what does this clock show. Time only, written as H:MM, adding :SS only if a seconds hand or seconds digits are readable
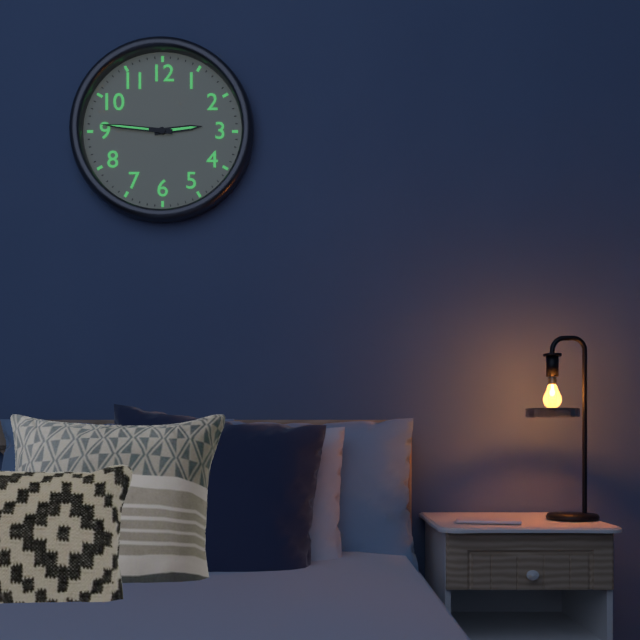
2:46
